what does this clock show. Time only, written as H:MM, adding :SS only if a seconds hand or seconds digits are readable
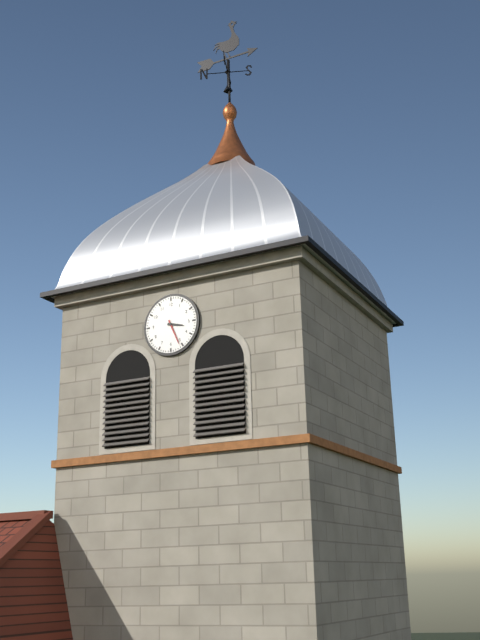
3:26
